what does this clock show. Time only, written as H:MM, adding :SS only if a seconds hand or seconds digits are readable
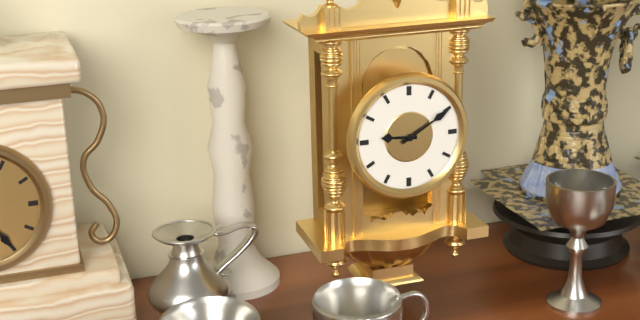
9:10
